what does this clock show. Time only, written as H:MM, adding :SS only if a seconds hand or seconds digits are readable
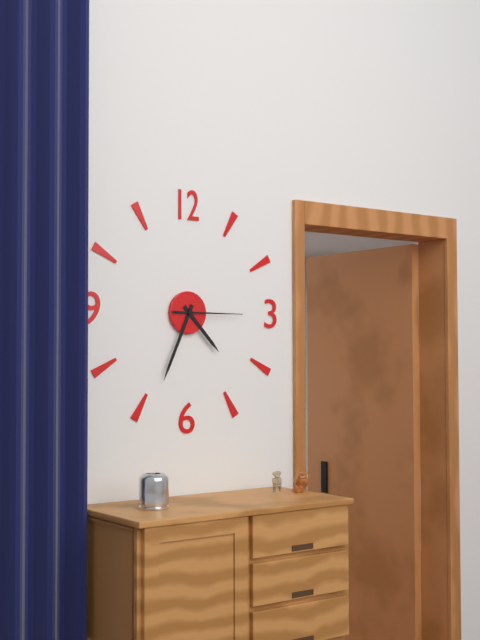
4:34:15
